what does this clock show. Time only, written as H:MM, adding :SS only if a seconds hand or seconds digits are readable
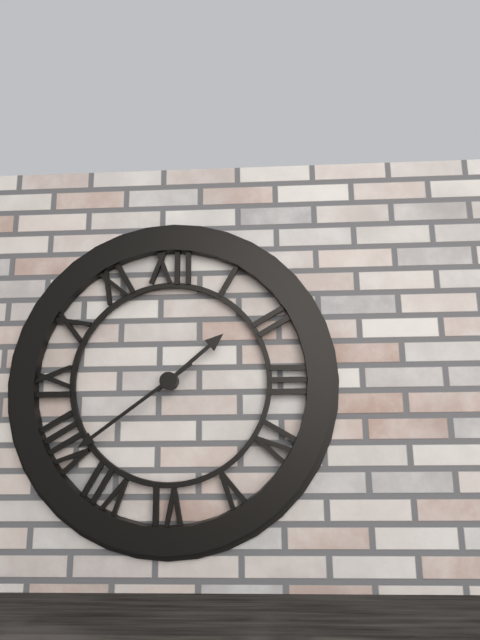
1:39
